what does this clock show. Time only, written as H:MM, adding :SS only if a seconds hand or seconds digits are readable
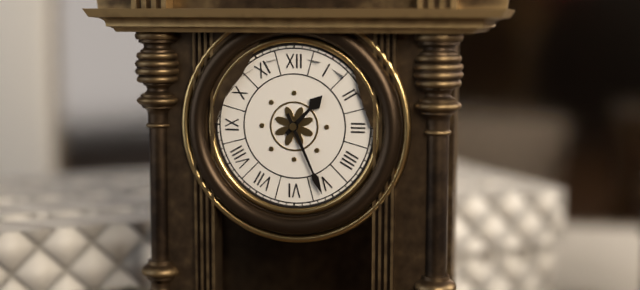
1:26
